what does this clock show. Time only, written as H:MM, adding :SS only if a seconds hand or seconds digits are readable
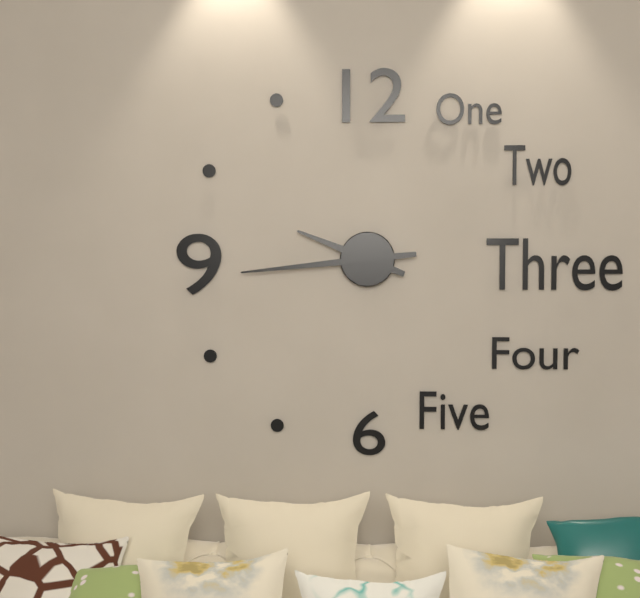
9:44
